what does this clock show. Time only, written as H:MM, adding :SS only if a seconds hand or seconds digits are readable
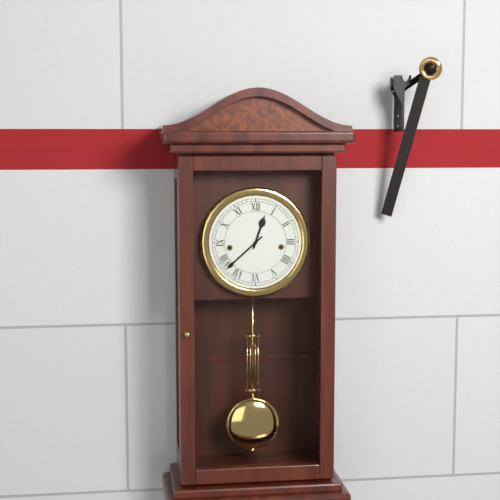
12:38
